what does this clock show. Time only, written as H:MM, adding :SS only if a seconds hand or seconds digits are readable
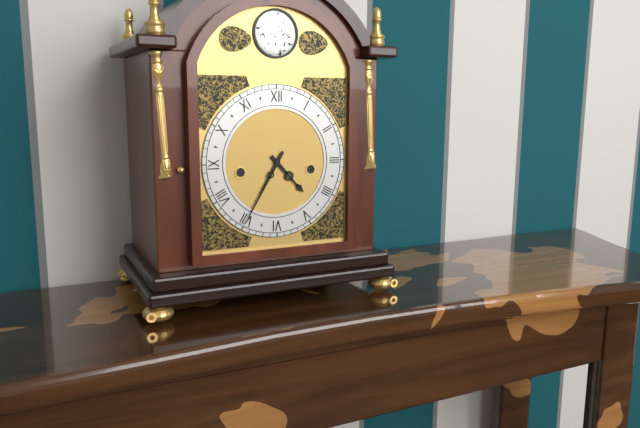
4:35
